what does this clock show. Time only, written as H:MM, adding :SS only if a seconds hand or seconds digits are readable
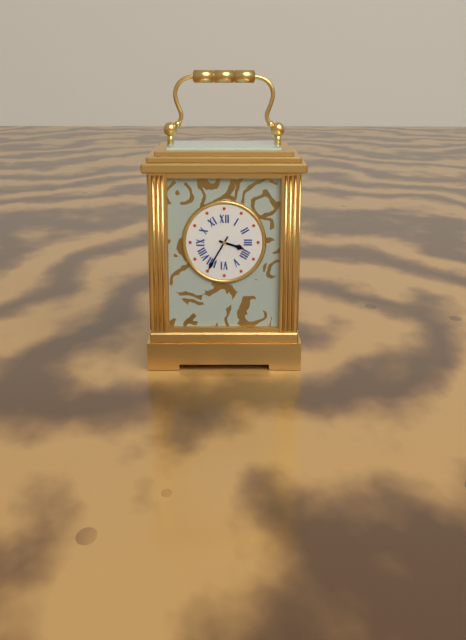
3:35
